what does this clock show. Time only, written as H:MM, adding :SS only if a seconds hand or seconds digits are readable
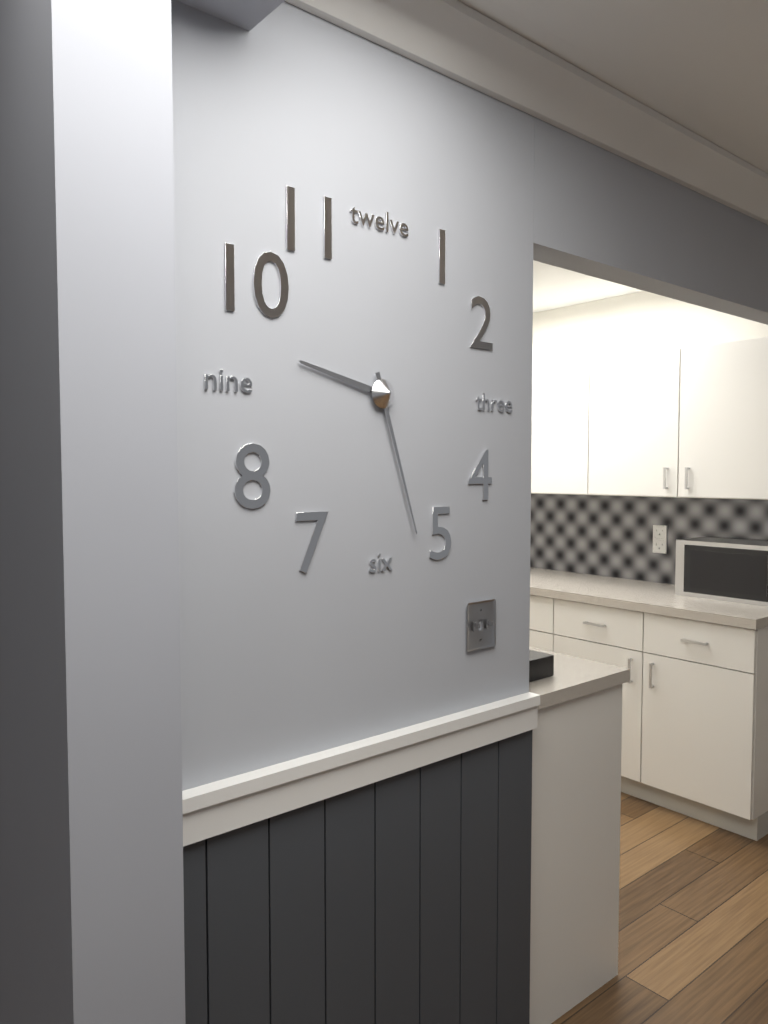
9:27
